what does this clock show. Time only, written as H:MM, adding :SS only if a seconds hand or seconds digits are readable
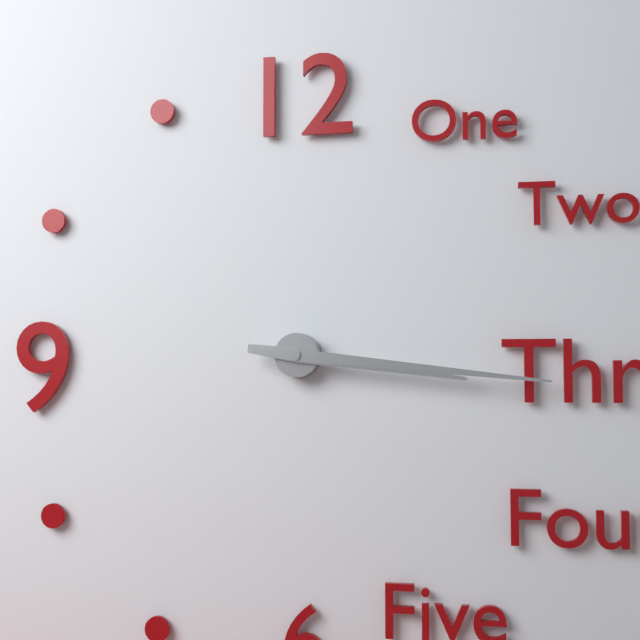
3:16
